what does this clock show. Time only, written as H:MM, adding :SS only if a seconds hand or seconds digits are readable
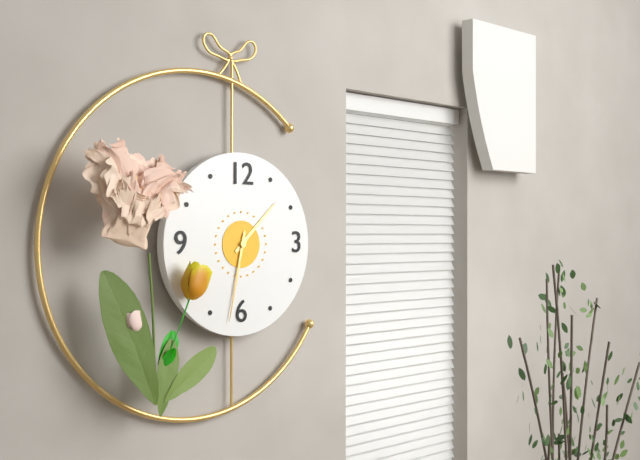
1:32
